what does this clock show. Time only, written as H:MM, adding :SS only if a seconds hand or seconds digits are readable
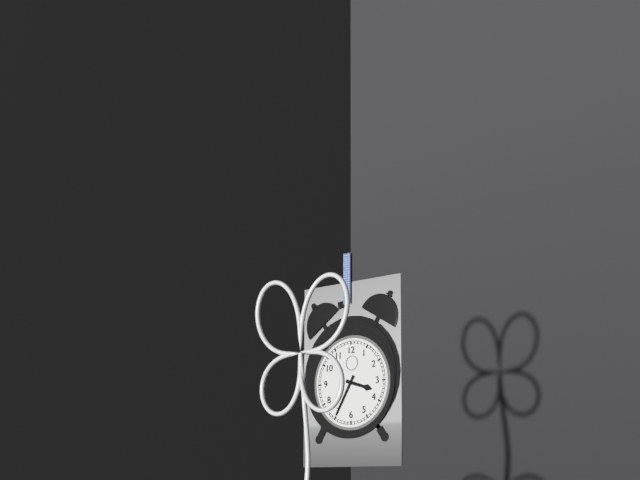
3:35
